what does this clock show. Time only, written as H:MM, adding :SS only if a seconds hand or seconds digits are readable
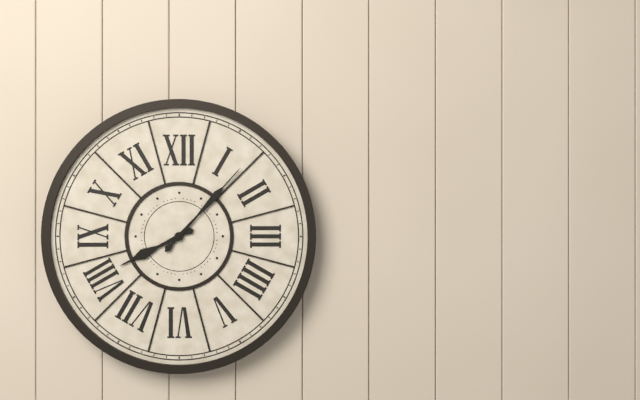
8:07
